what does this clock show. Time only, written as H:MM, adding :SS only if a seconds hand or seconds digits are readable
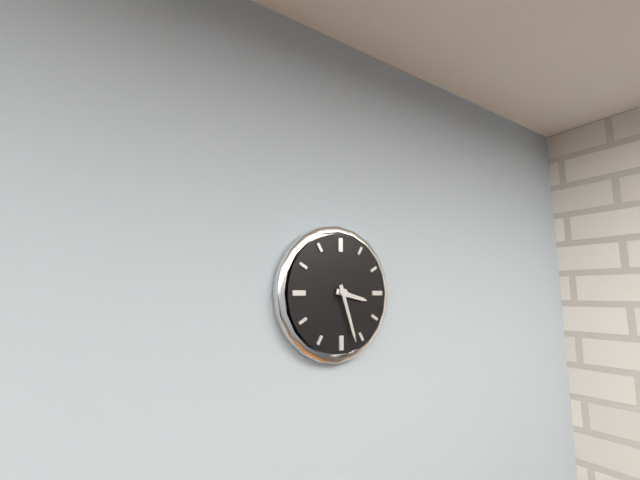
3:27
